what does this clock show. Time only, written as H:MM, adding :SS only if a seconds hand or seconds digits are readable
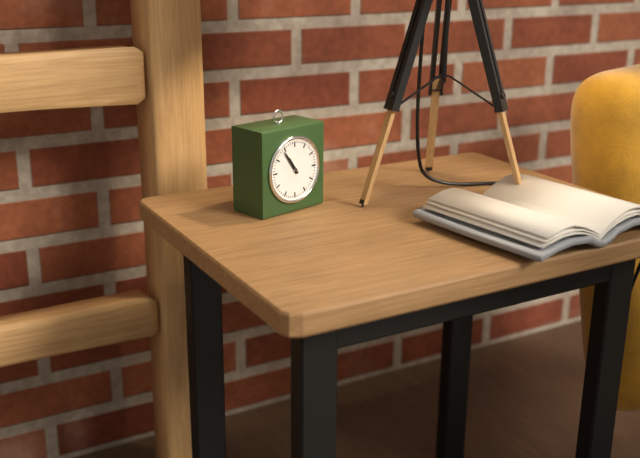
10:54
